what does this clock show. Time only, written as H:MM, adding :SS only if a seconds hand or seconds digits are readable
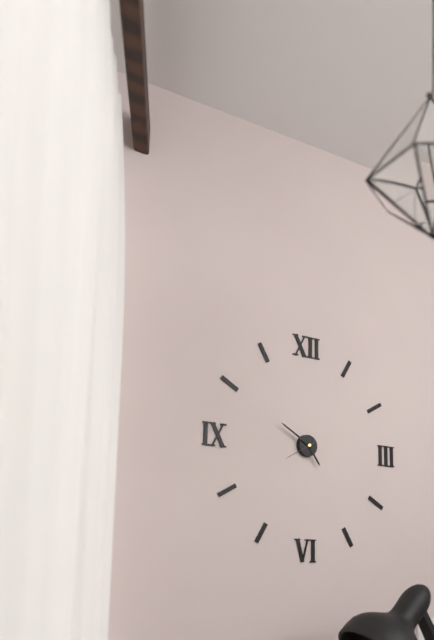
4:50
